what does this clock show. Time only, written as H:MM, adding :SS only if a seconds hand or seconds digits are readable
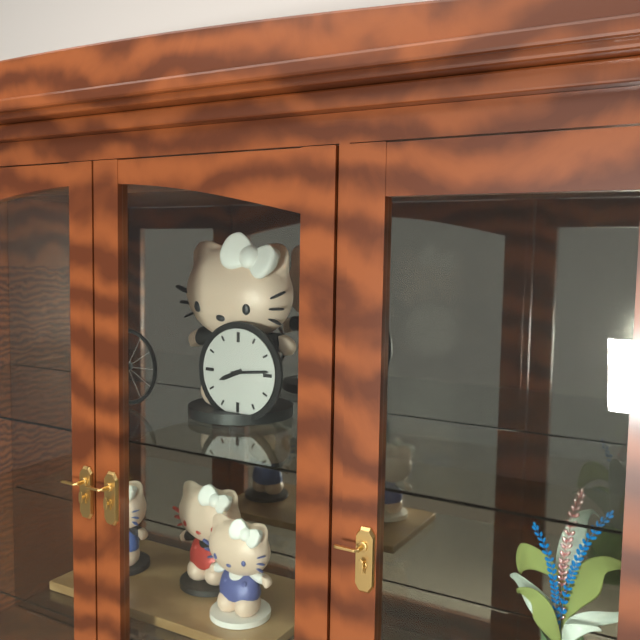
8:14
